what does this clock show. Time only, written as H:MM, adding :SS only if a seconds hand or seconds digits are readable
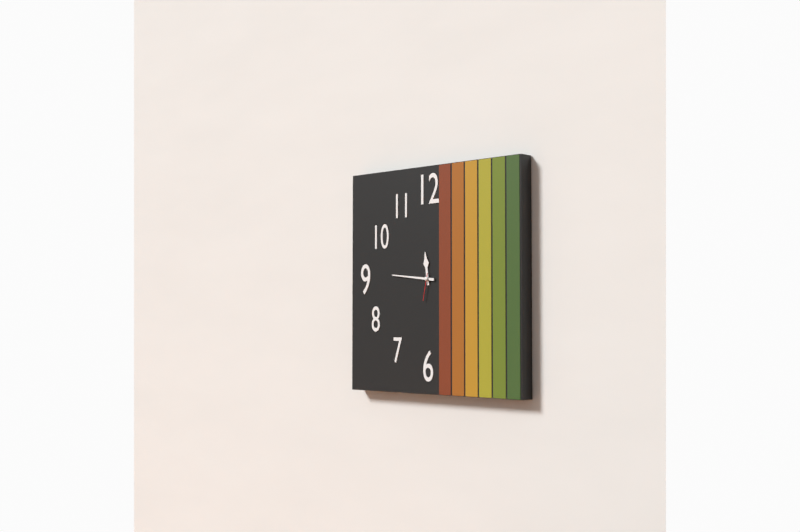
11:46
